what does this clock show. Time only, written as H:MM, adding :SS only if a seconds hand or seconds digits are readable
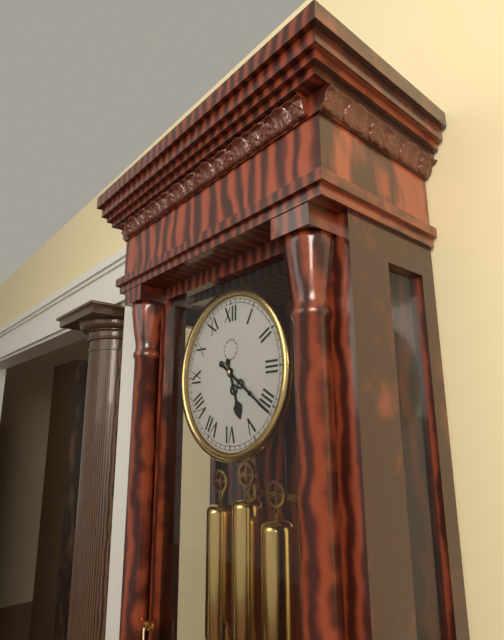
5:21
